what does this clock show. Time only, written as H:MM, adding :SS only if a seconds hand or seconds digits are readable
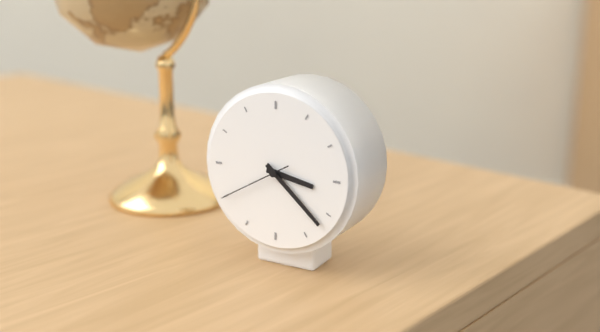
3:22:40
